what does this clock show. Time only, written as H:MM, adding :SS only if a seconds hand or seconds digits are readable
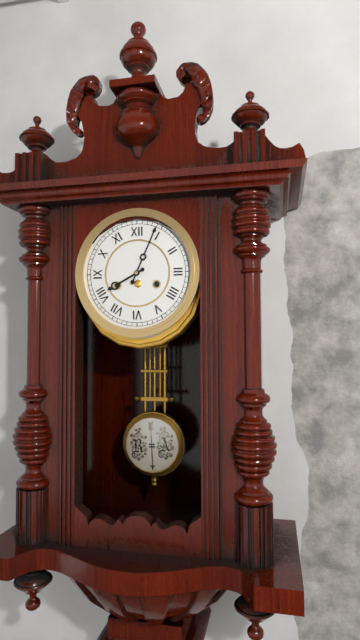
8:04
